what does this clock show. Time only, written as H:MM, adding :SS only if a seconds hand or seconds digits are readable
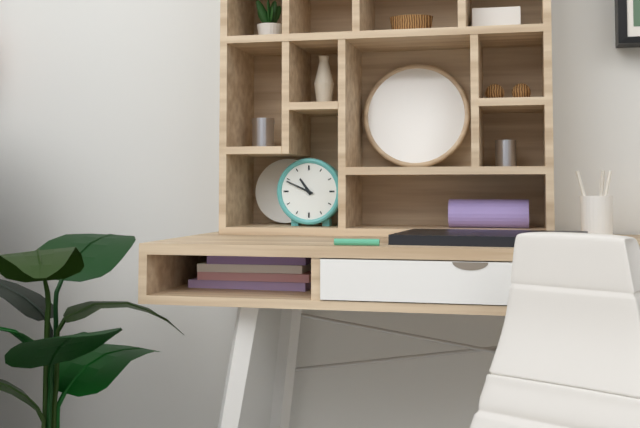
10:49
